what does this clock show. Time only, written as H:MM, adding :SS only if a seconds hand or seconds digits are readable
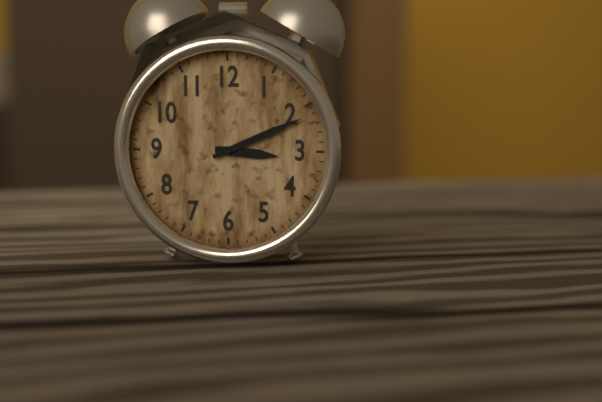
3:11
